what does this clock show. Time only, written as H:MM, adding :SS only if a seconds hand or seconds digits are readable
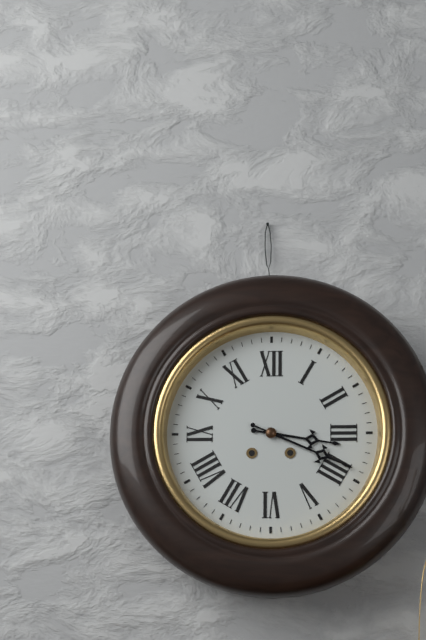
3:19
